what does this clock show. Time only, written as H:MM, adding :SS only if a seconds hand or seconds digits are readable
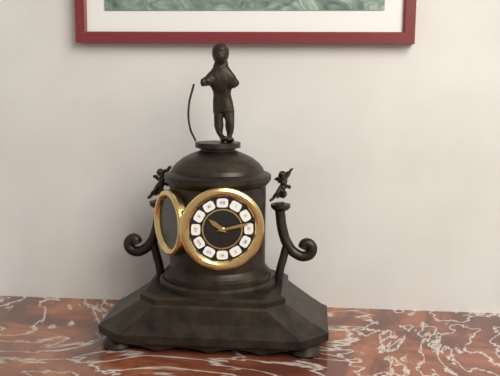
10:13
